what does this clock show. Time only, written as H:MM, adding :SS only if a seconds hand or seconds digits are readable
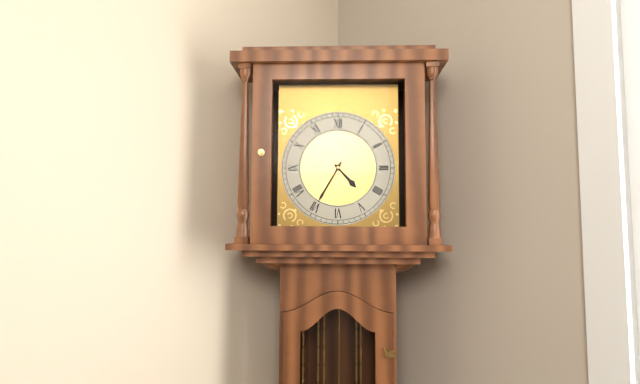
4:35
